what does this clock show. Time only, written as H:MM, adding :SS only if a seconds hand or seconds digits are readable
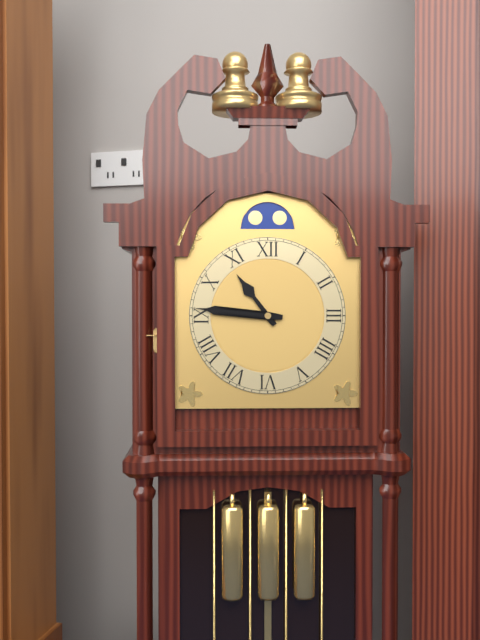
10:46
